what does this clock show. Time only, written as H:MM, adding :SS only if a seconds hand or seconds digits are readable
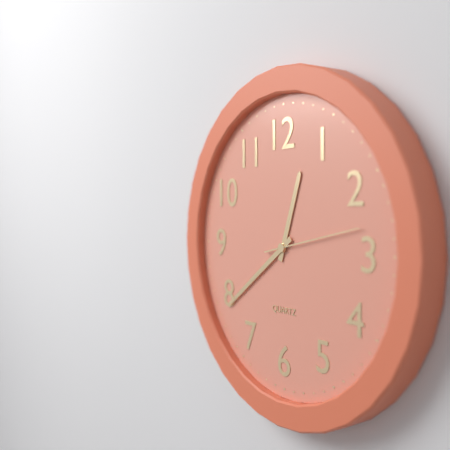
12:39:13
